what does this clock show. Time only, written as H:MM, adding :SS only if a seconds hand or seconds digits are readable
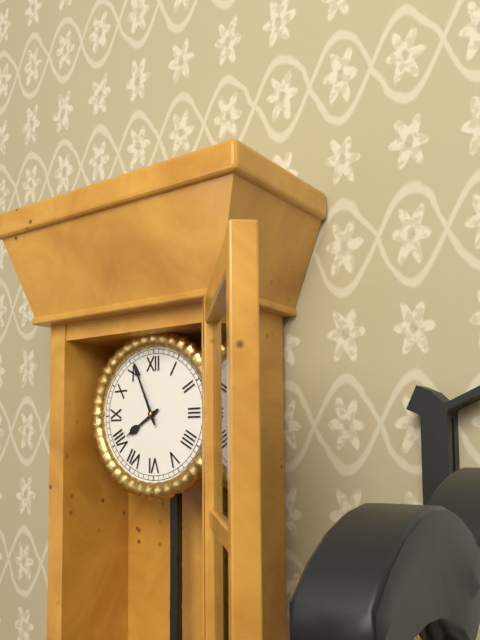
7:56
